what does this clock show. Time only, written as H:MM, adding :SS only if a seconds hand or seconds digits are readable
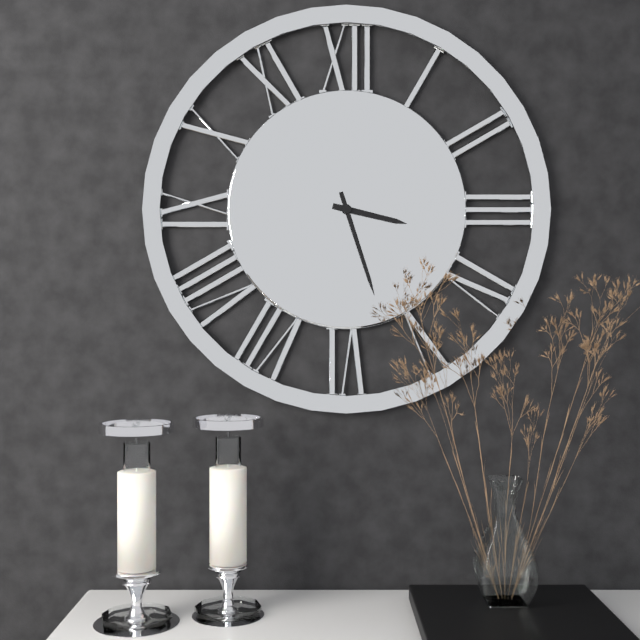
3:27
